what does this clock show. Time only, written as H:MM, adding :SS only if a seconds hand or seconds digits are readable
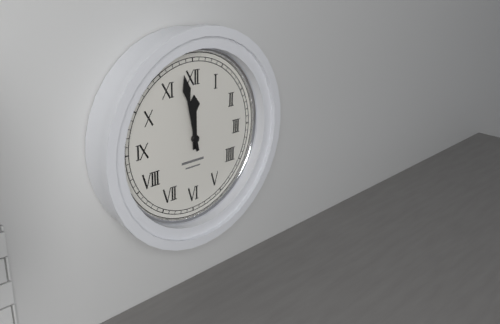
11:58
